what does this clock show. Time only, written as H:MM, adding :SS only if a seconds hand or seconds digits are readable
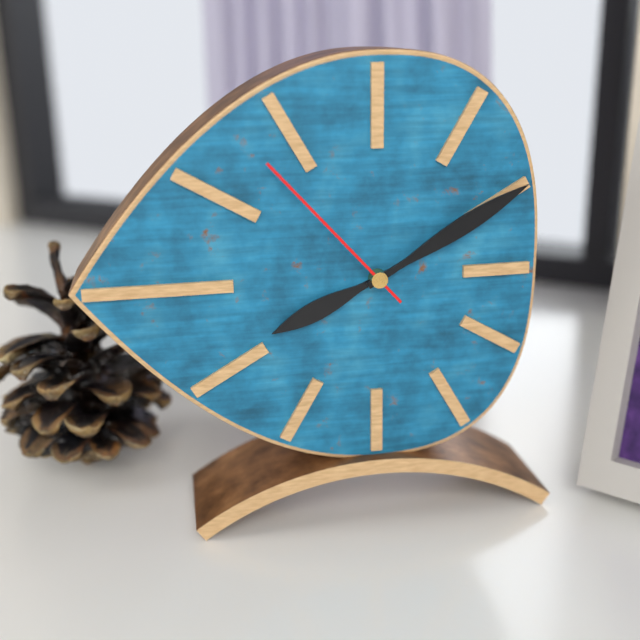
8:10:53
